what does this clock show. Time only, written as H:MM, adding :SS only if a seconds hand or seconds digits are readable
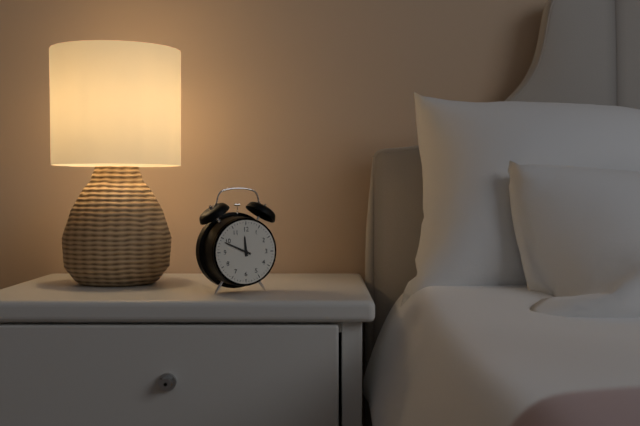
11:49
